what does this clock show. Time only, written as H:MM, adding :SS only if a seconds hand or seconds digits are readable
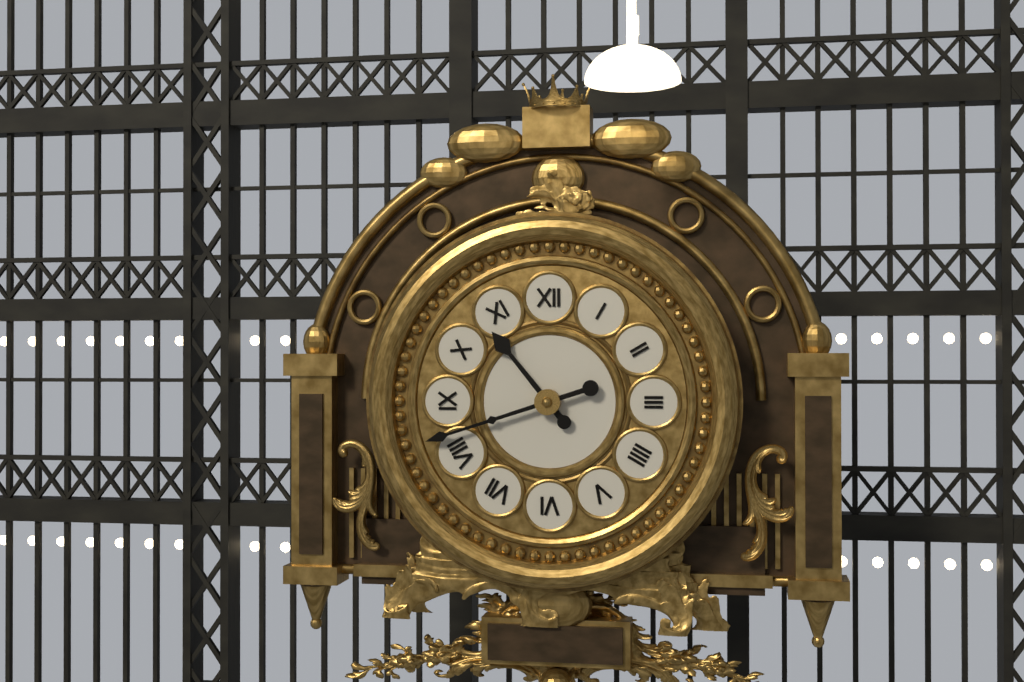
10:42
